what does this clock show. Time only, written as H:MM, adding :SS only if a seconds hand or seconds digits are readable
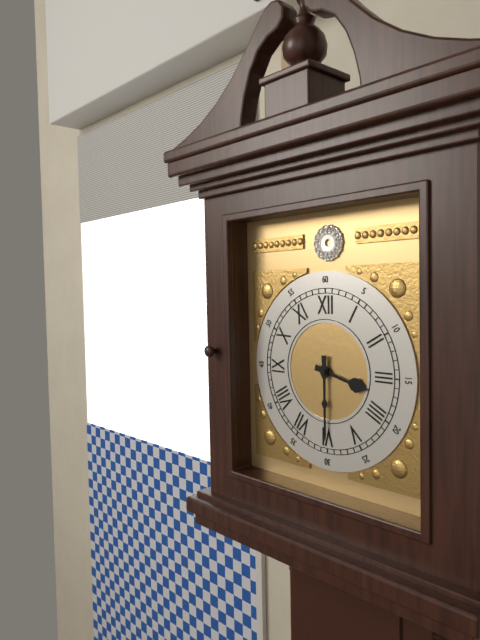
3:30
